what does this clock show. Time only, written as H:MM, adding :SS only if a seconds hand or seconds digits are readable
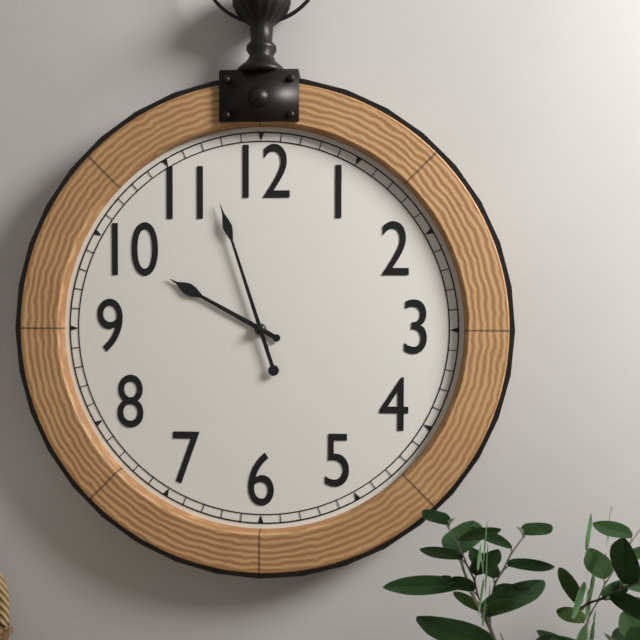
9:57
